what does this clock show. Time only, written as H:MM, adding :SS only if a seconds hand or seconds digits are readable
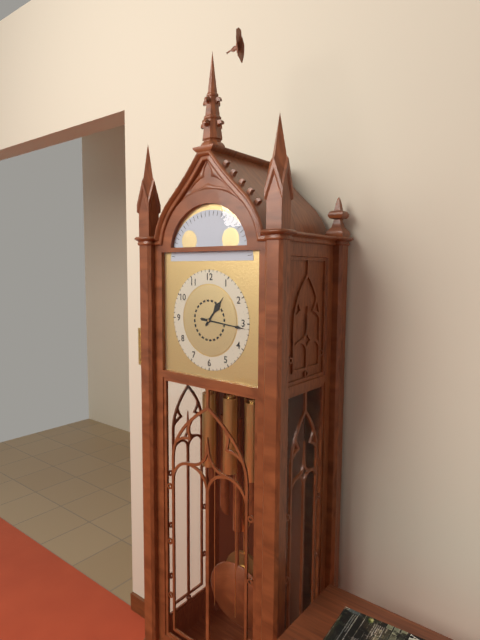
1:16
